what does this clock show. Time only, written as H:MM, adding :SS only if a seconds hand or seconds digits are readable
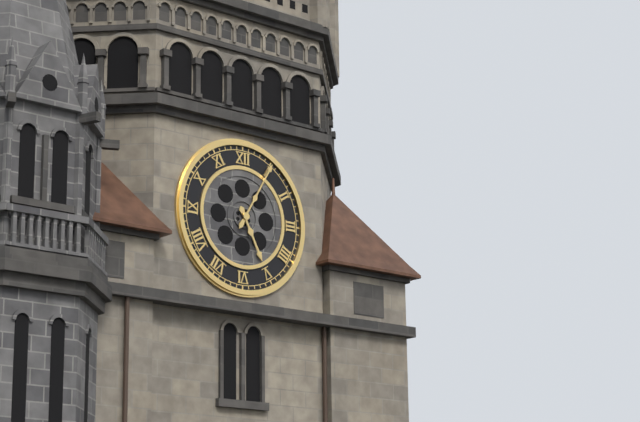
5:05
